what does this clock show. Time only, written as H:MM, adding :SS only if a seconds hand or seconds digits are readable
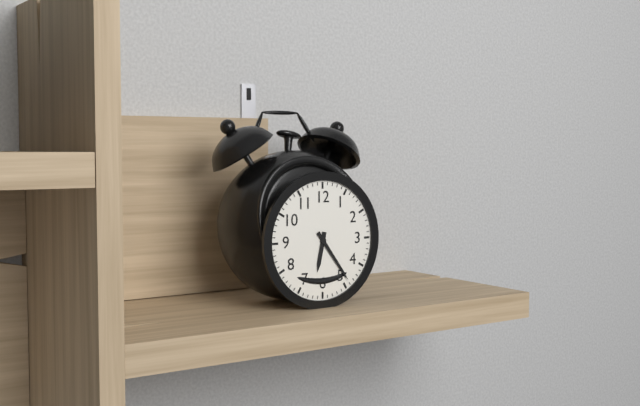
6:24
